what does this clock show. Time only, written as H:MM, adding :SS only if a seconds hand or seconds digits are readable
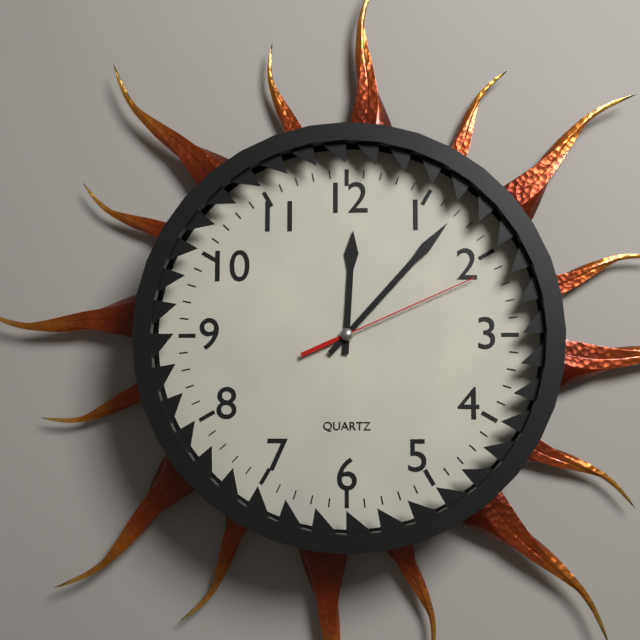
12:07:11
